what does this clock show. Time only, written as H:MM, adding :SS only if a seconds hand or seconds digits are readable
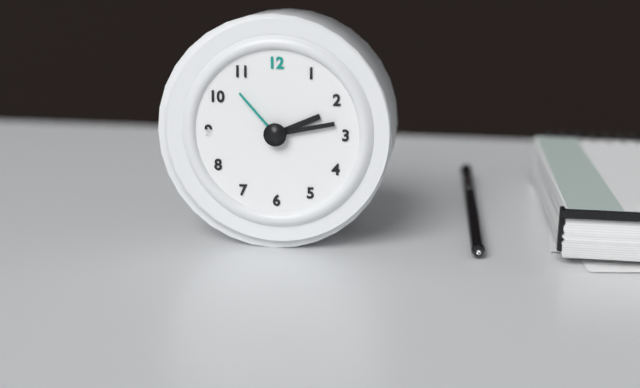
2:13:53
